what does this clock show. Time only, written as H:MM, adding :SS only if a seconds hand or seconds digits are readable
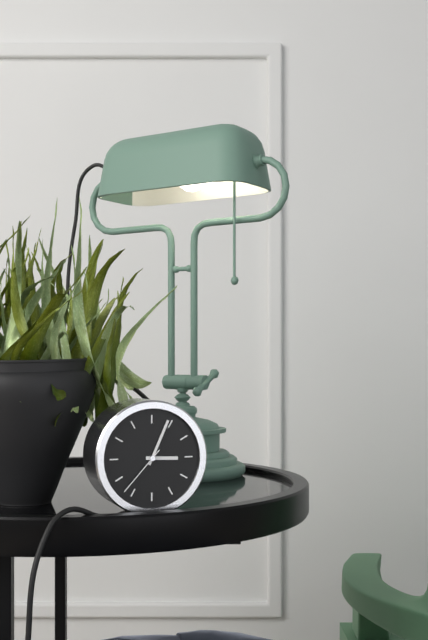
3:04:37
